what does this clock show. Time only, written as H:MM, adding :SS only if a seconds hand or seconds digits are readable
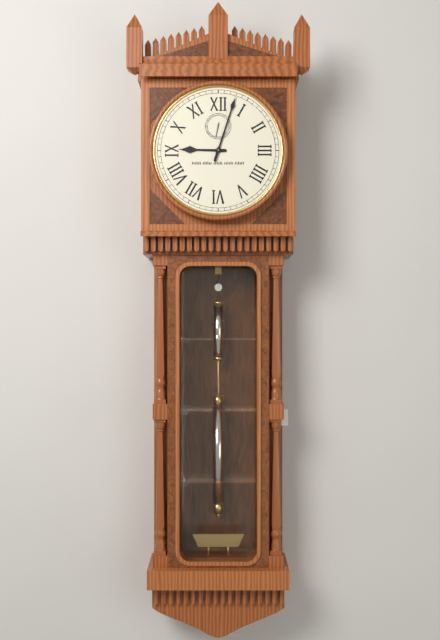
9:03
